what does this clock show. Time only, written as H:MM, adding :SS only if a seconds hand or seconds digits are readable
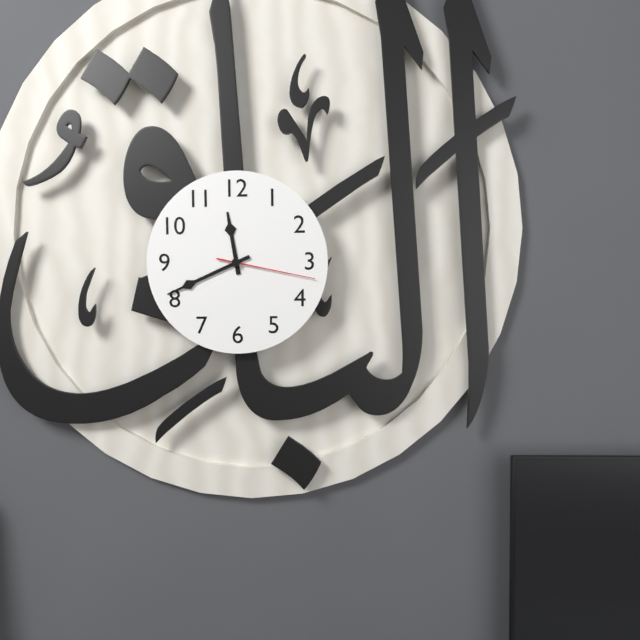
11:41:17
